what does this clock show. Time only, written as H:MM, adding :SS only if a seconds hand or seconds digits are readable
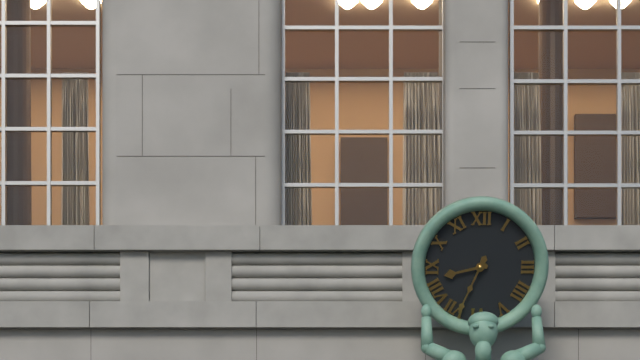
8:34
